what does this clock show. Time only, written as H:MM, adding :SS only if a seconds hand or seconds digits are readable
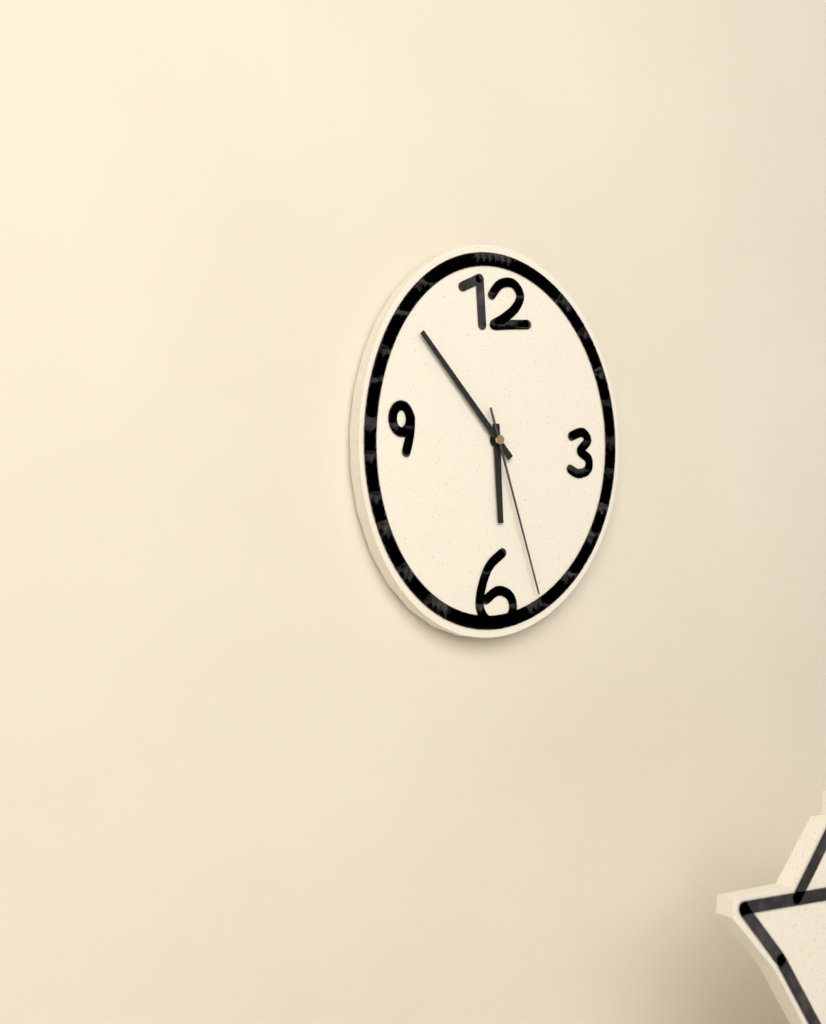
5:53:27
